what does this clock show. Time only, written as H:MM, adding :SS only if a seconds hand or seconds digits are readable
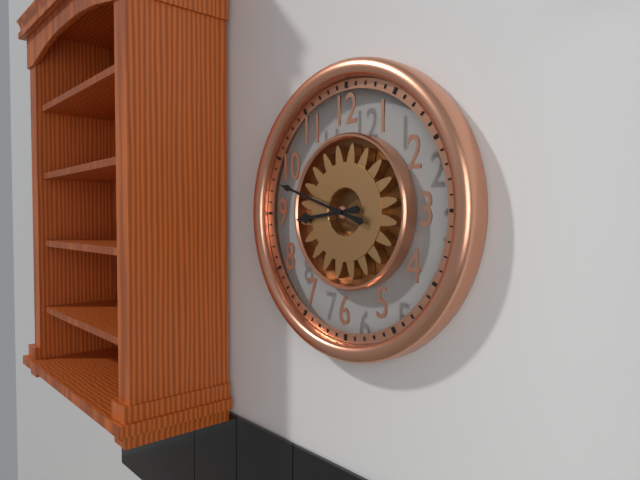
8:48
